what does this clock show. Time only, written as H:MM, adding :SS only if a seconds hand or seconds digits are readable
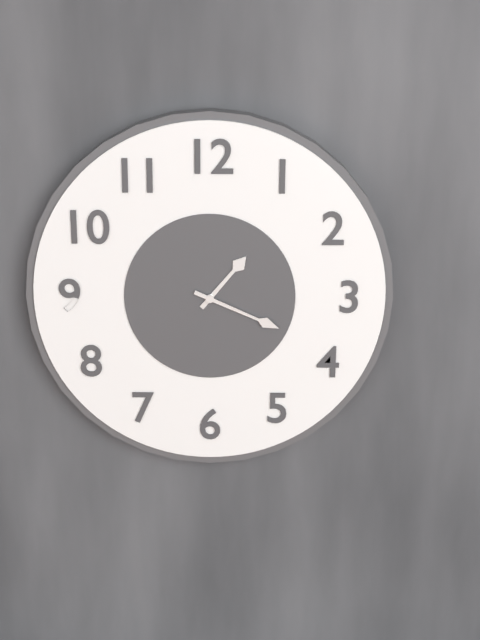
1:19
